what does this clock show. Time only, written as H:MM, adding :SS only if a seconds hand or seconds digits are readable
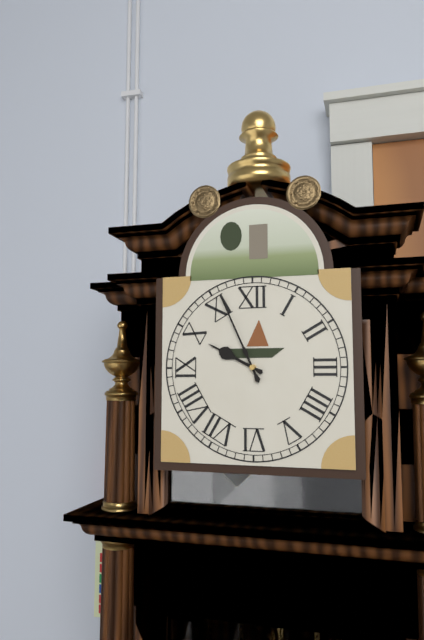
9:56
